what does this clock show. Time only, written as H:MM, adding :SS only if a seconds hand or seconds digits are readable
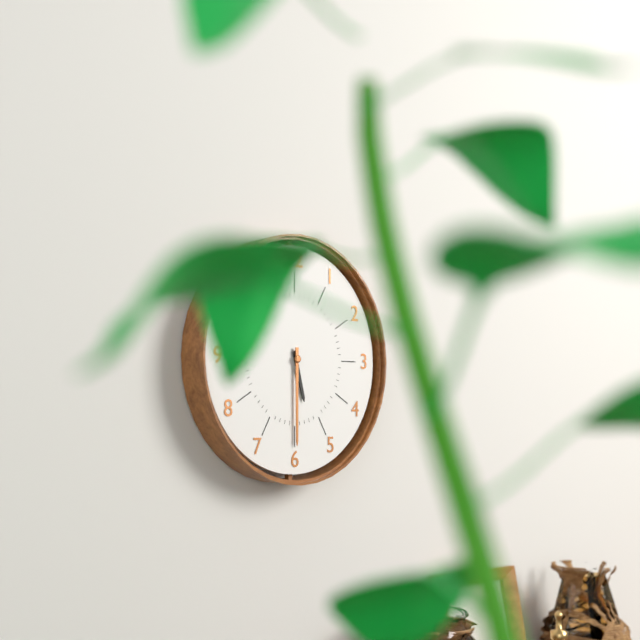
5:30
